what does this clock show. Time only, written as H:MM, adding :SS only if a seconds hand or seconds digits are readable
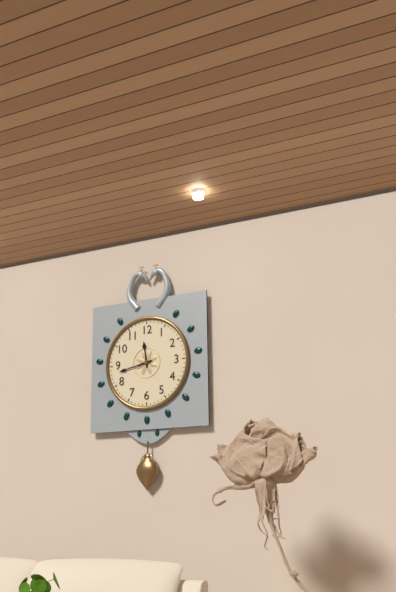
11:43
